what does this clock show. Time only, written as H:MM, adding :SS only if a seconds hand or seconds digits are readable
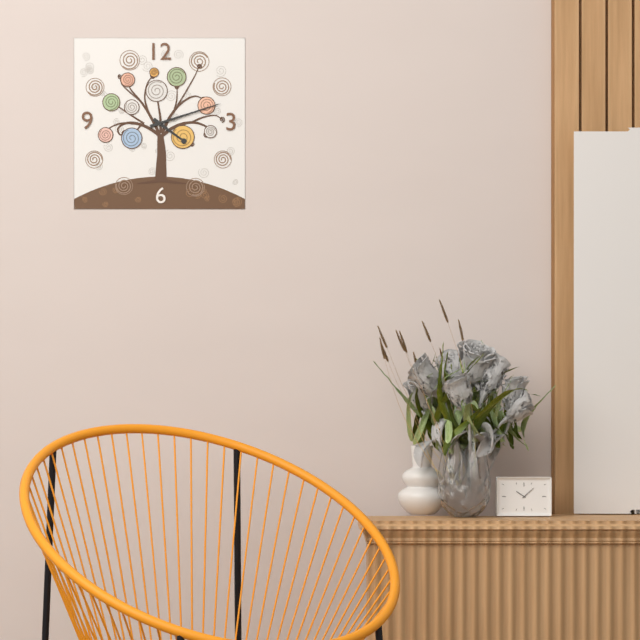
4:12
